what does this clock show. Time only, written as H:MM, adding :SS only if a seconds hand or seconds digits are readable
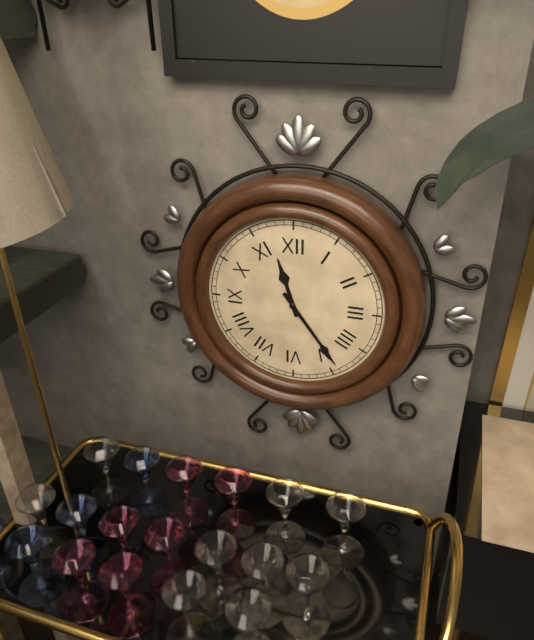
11:24
